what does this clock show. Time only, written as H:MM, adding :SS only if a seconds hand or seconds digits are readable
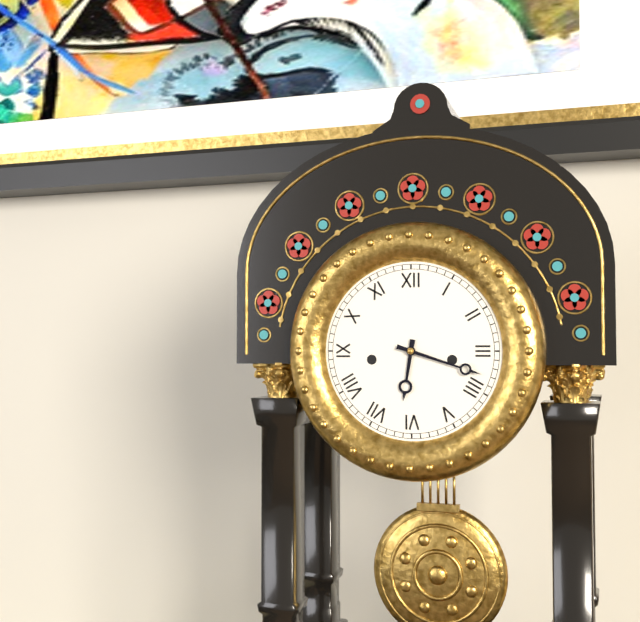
6:18
